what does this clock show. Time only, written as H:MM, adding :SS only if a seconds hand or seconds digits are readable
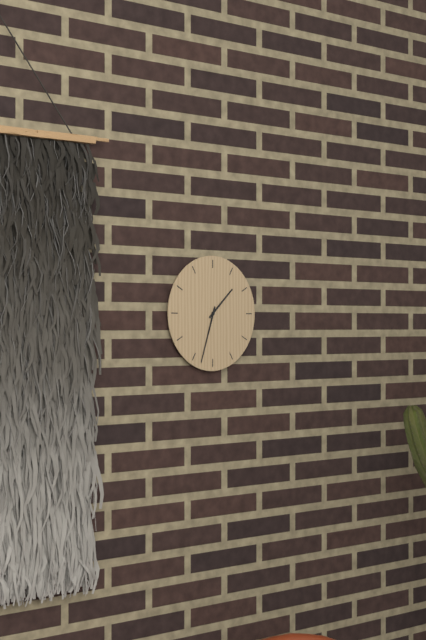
1:33
